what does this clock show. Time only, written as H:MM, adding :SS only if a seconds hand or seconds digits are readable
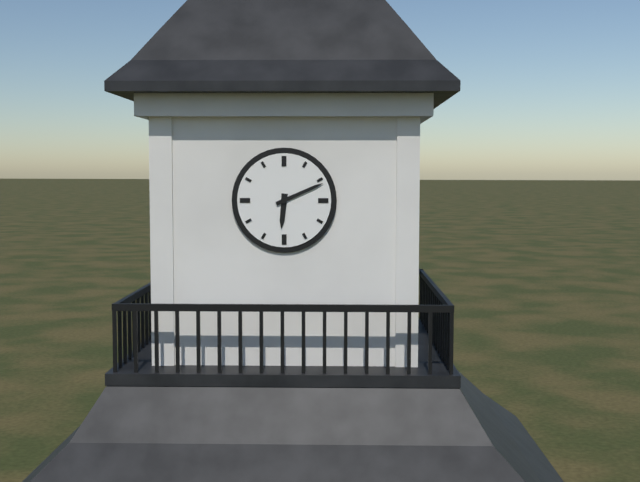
6:11
